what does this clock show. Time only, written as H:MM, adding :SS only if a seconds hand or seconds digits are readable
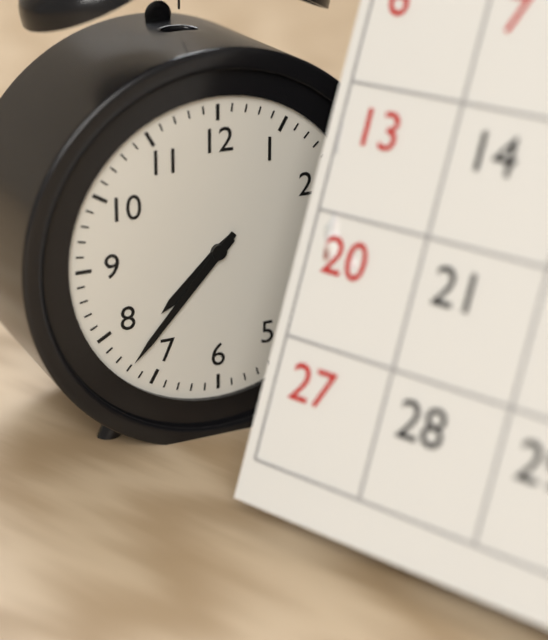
7:37
